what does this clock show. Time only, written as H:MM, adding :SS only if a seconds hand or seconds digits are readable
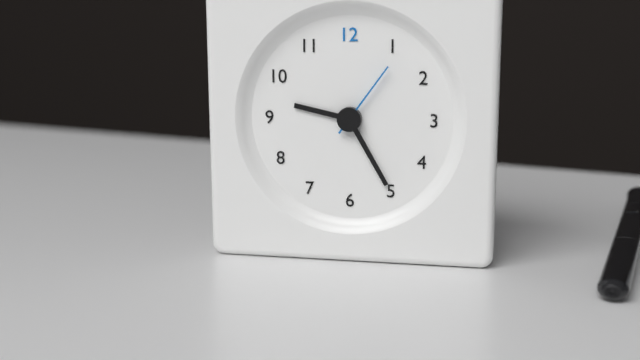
9:25:06
